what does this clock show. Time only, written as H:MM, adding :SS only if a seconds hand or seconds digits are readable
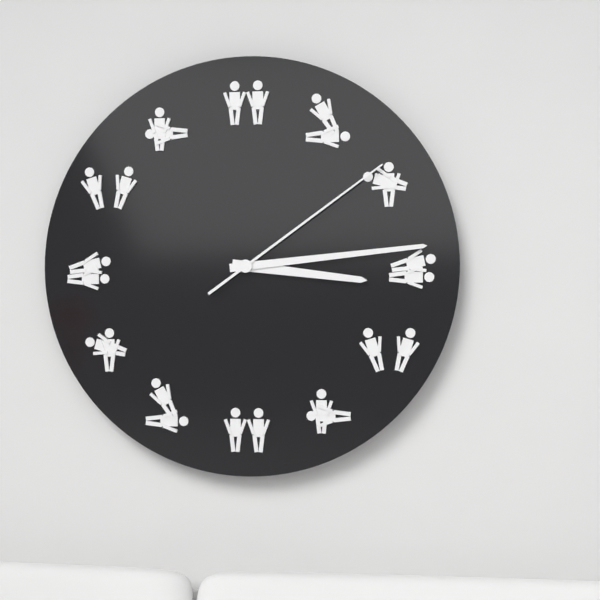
3:14:09
